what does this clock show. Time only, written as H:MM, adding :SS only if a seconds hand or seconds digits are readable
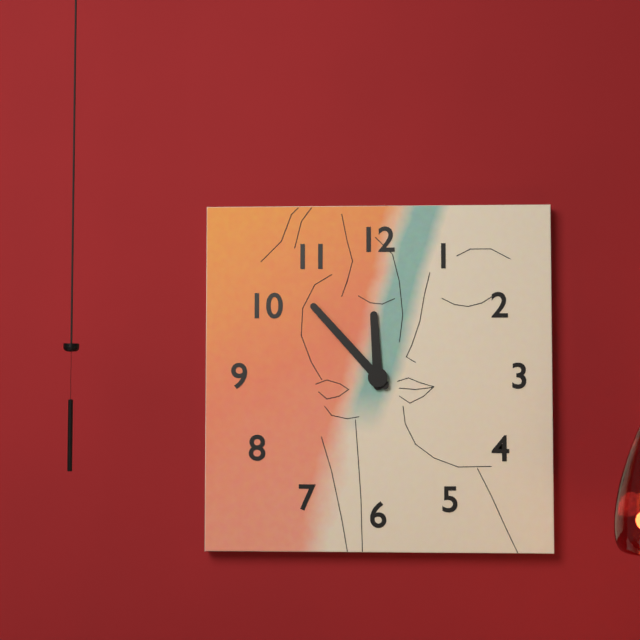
11:53
